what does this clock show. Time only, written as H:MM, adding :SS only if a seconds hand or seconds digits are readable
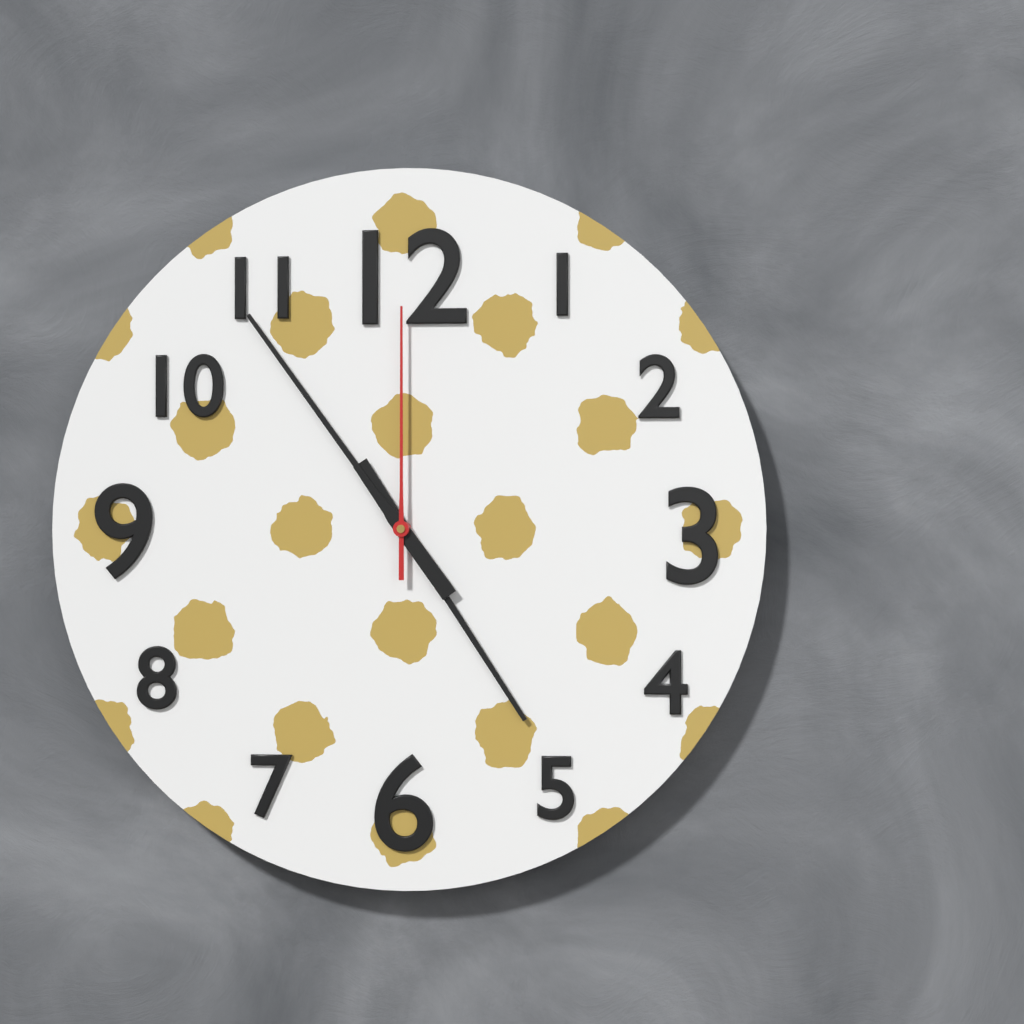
4:54:00
